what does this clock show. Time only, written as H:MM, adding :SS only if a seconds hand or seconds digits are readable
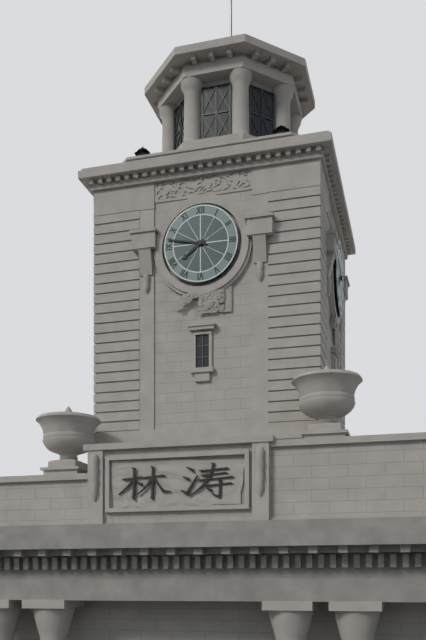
7:47
